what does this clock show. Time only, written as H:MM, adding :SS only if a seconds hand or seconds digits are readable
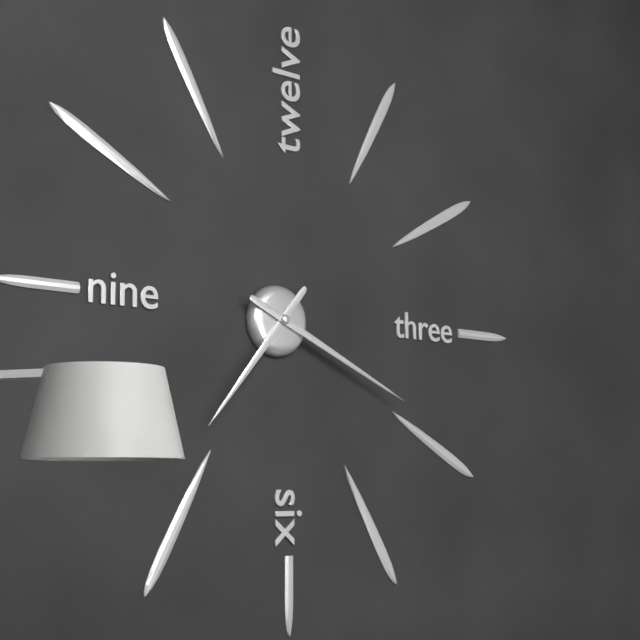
7:19
